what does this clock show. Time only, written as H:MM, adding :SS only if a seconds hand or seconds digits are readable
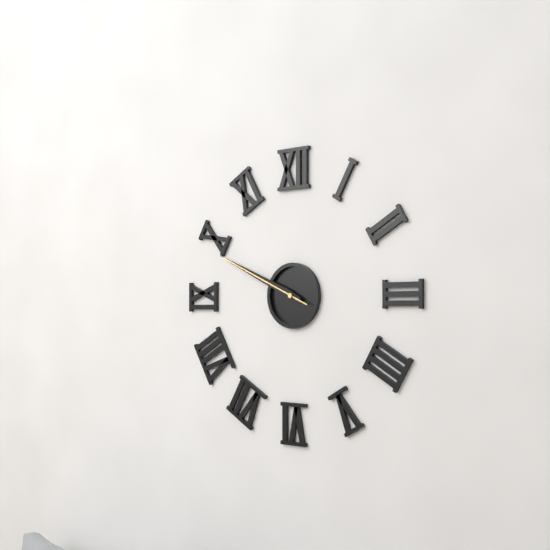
9:49:49
